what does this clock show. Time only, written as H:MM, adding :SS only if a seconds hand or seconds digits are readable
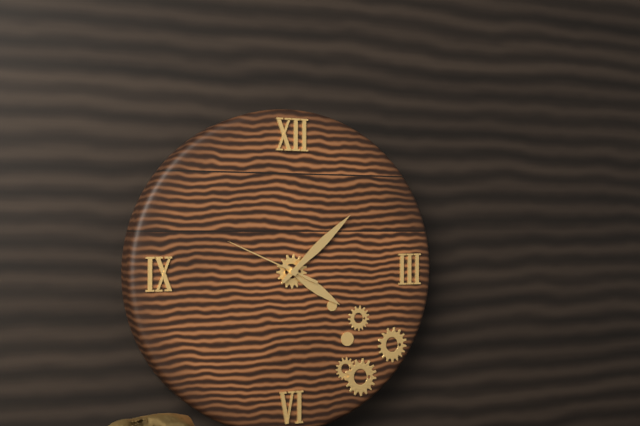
4:08:49
